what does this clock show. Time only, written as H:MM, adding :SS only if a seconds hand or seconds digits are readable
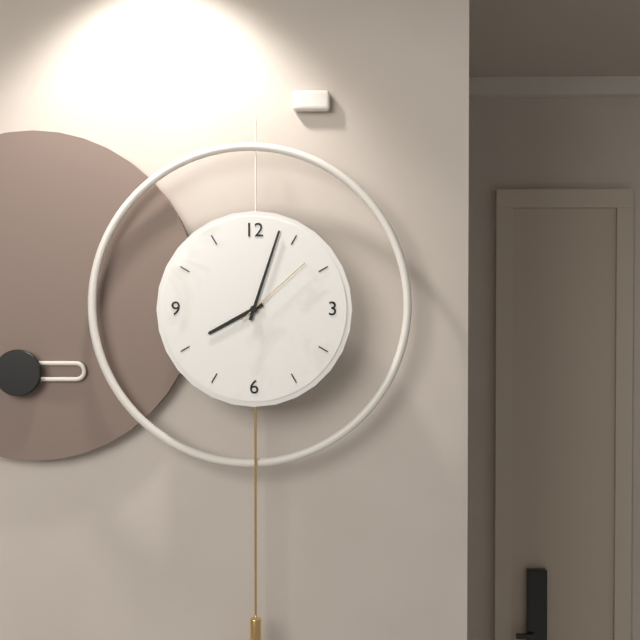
8:03:08
